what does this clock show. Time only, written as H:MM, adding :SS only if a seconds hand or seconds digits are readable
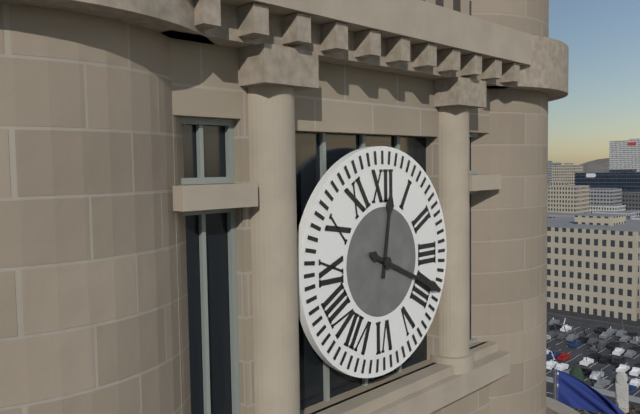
12:19
